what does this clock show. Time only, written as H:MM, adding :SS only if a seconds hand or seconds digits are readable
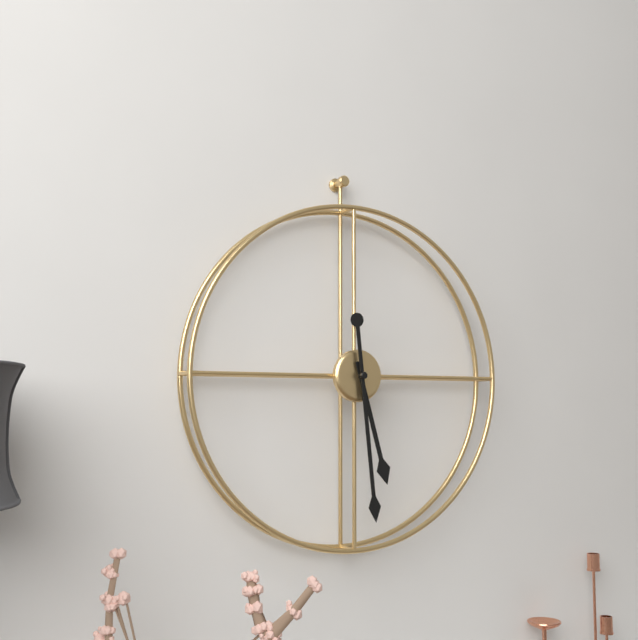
5:29
